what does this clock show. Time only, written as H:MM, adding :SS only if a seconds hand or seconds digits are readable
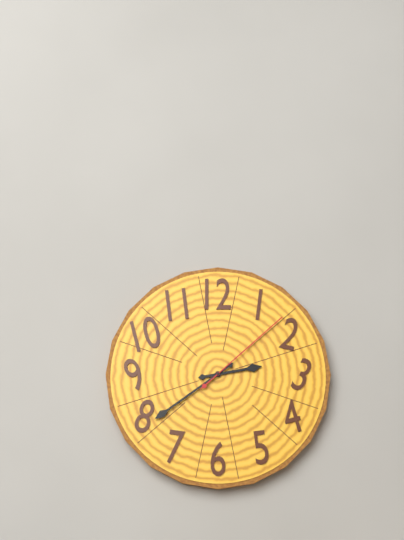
2:39:08
